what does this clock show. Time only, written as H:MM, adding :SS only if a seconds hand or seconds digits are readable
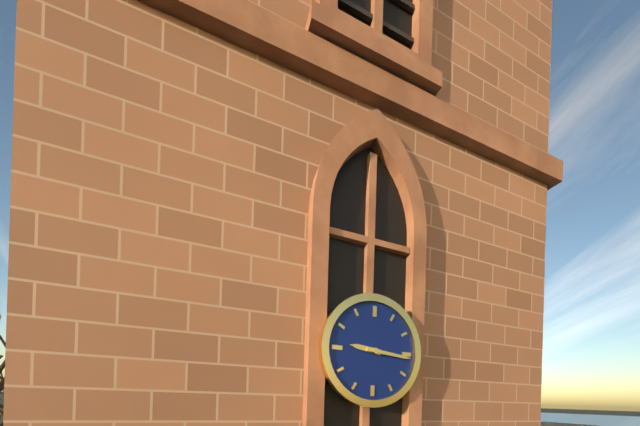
9:16
